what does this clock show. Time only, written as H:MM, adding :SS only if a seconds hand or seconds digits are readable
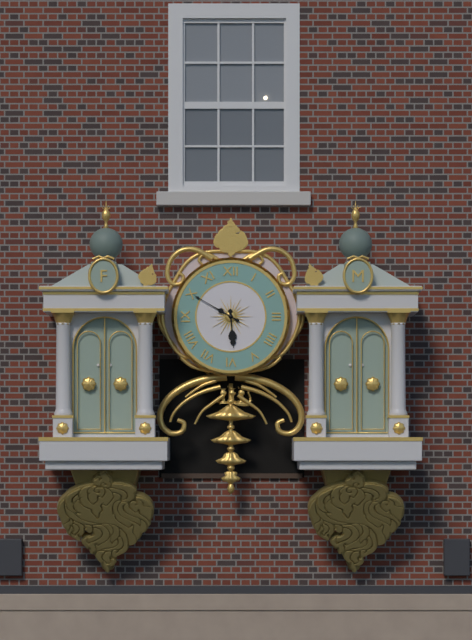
5:50
